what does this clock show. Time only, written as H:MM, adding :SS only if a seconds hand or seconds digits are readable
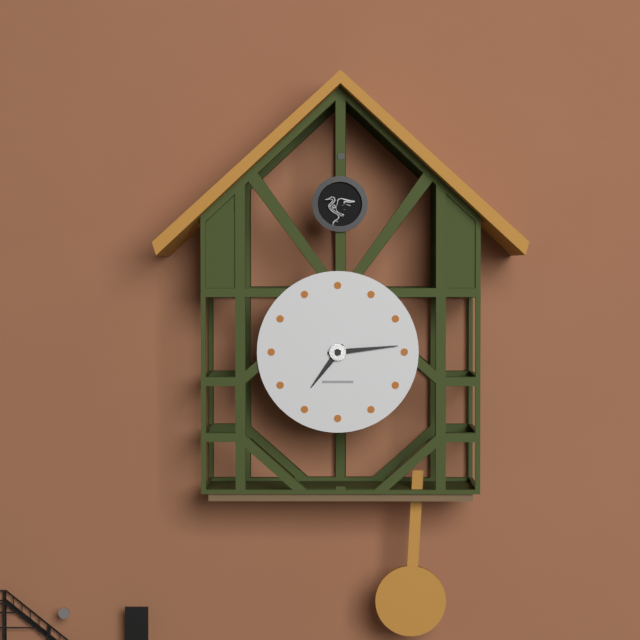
7:14
